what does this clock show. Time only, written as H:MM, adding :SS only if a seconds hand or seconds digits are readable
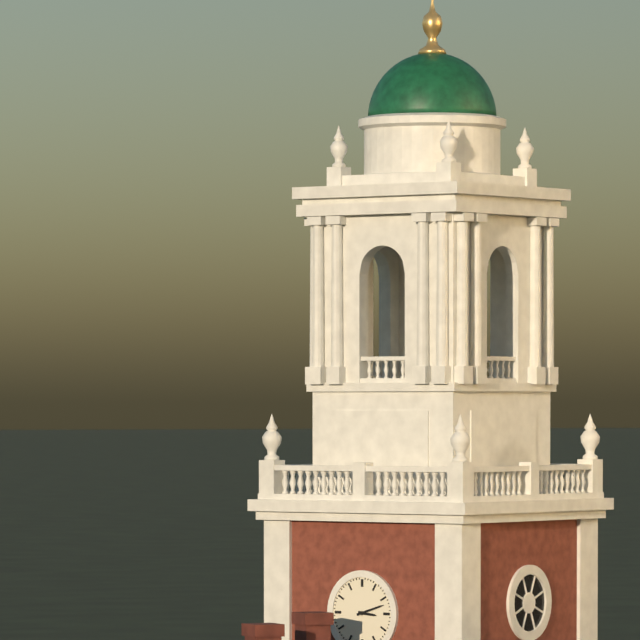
3:12
